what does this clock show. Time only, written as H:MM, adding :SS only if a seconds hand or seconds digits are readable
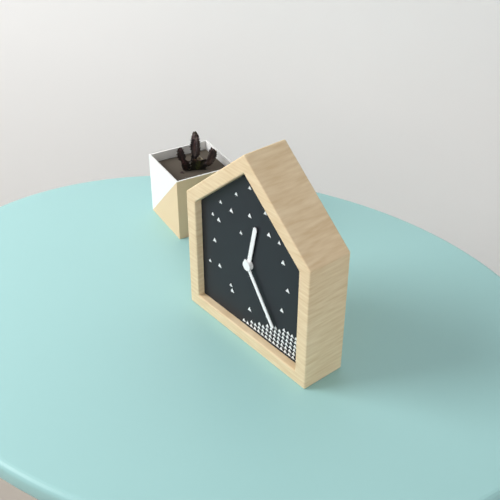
12:24
